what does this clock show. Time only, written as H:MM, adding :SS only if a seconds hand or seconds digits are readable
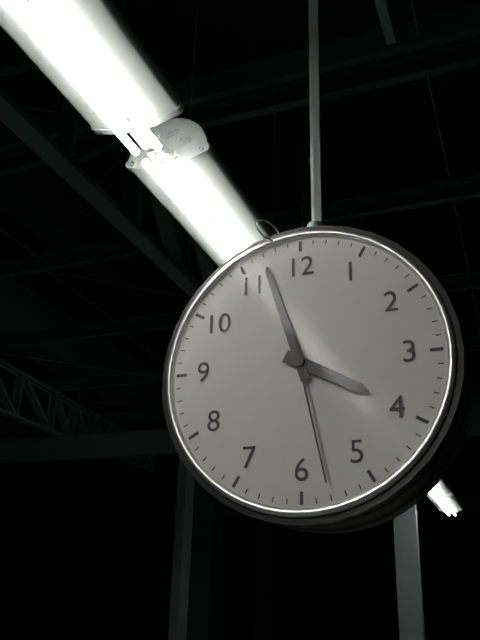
3:57:28
